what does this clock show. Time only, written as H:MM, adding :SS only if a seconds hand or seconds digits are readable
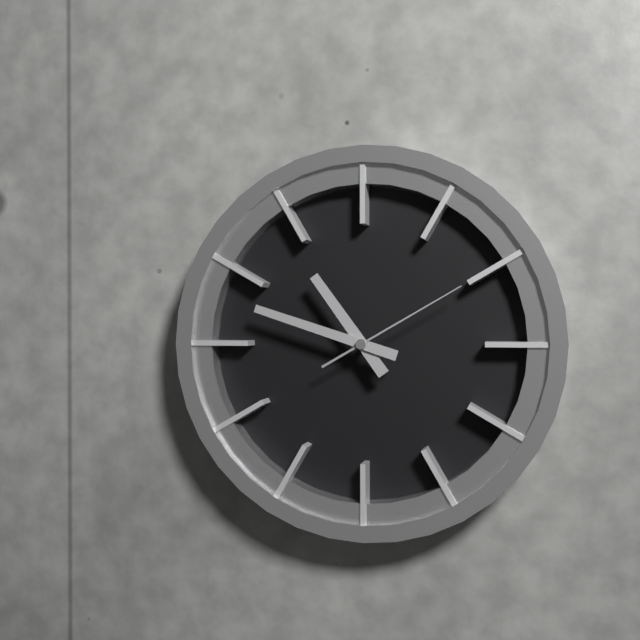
10:48:10
